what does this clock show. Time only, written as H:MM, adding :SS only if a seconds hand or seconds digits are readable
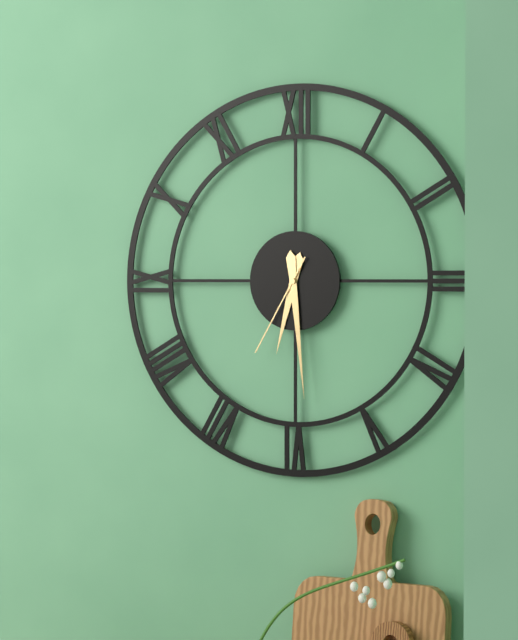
6:29:35
